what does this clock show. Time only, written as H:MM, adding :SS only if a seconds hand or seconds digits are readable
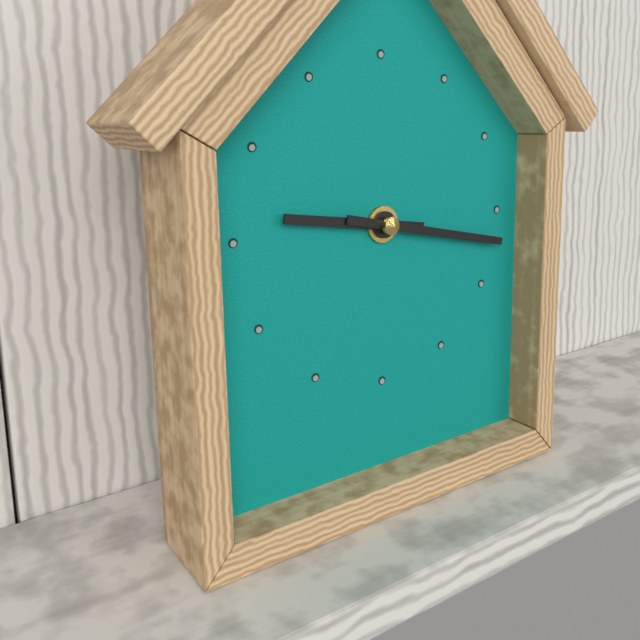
9:17
